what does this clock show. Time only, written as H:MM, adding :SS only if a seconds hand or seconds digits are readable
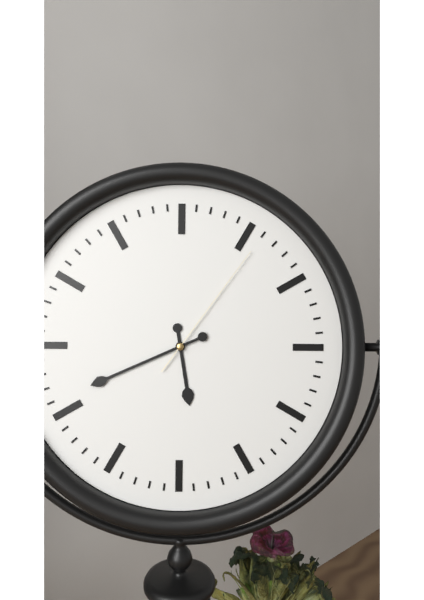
5:41:06
